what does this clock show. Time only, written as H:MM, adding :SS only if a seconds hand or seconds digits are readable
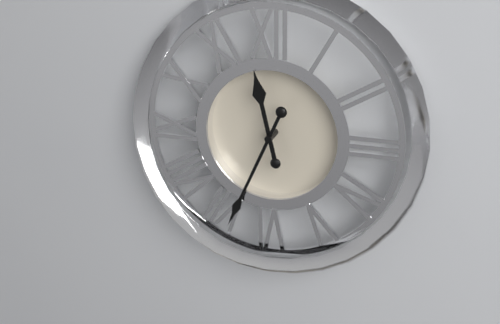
11:34
